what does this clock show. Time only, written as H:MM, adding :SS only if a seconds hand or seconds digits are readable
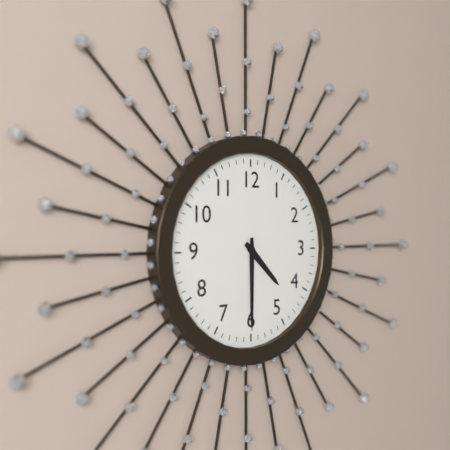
4:30
